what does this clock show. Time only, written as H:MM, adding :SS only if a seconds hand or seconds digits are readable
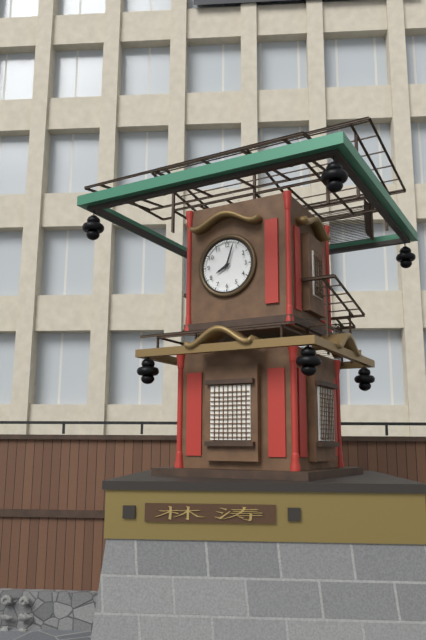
8:03
